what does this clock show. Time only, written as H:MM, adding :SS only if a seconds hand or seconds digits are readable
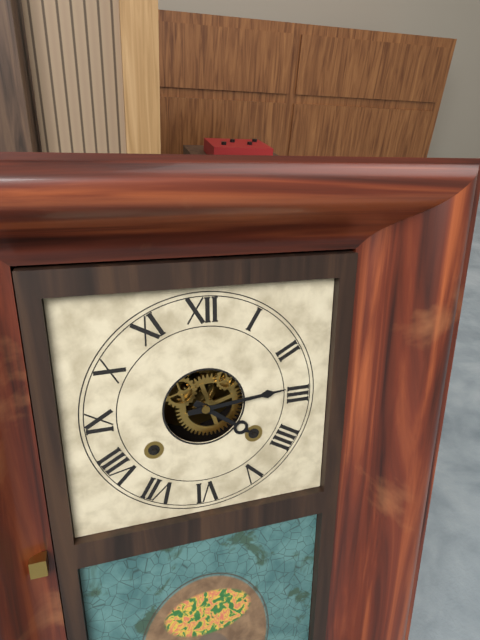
4:14
